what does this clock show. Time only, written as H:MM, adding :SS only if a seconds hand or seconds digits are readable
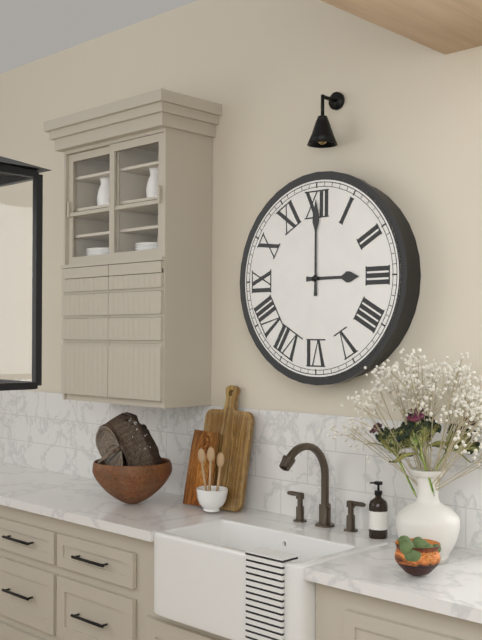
3:00
